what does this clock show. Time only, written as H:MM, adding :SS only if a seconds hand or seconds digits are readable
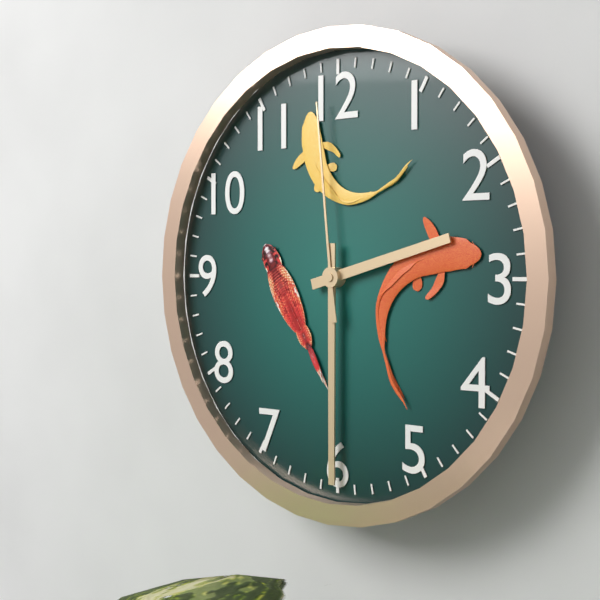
2:30:59
